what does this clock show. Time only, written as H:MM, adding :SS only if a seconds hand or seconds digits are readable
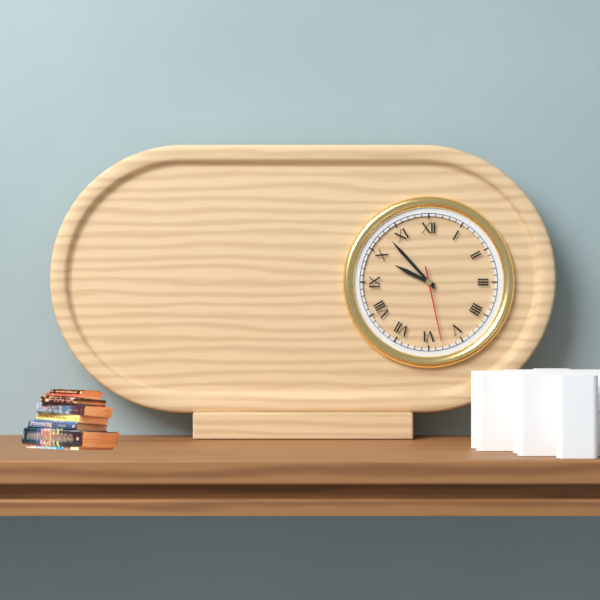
9:53:28
